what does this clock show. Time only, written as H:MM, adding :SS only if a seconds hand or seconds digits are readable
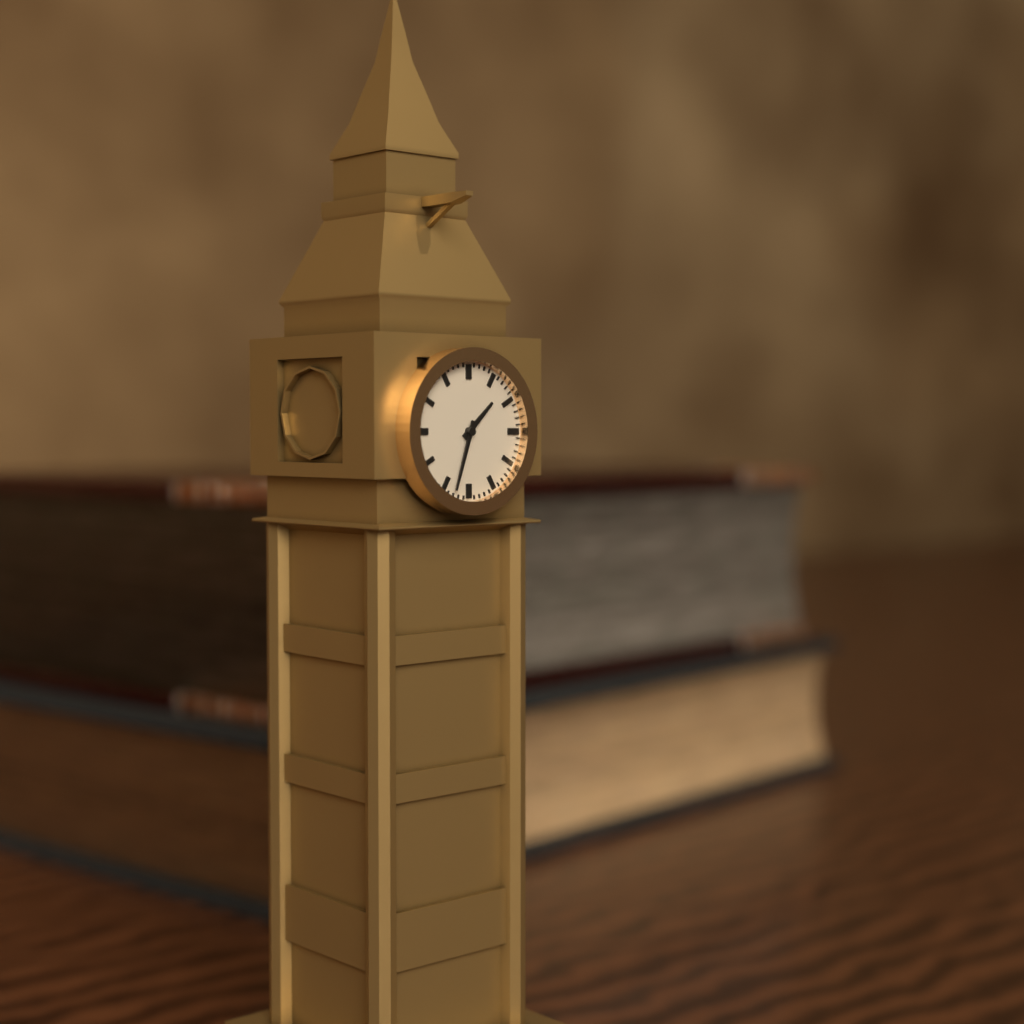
1:33
